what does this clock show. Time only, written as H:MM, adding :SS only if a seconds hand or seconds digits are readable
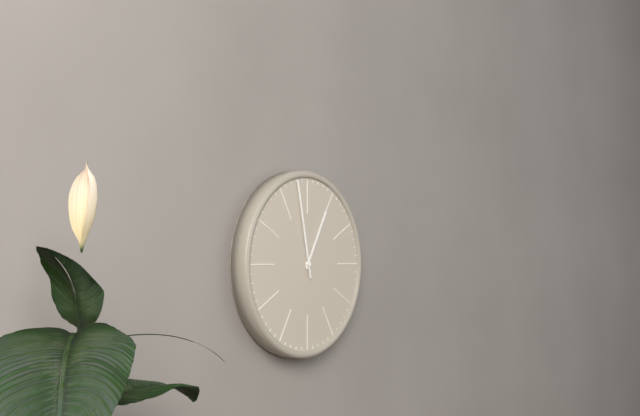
12:58
